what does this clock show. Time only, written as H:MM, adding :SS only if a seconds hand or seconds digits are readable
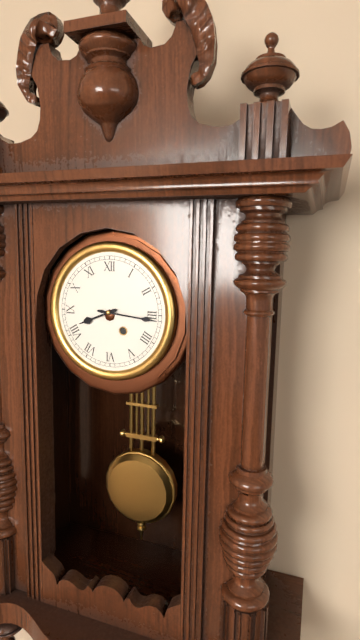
8:16
